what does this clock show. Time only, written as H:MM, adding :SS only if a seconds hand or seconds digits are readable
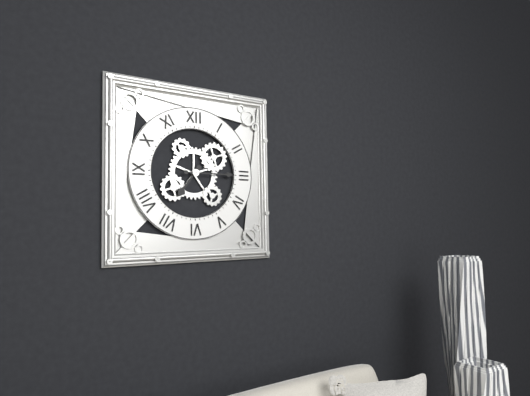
7:15
